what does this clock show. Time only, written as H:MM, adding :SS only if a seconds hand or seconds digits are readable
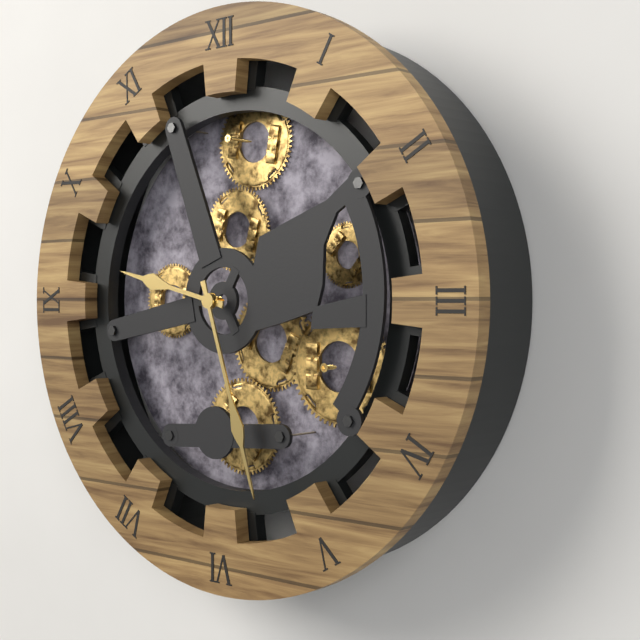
9:27
